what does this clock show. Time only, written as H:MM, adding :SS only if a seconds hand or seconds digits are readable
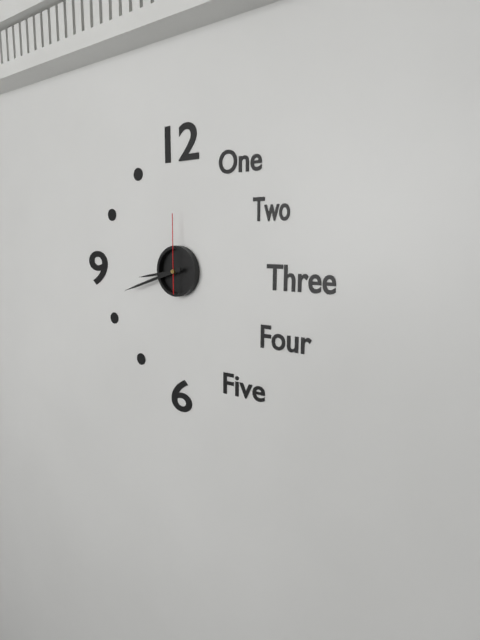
8:42:00
